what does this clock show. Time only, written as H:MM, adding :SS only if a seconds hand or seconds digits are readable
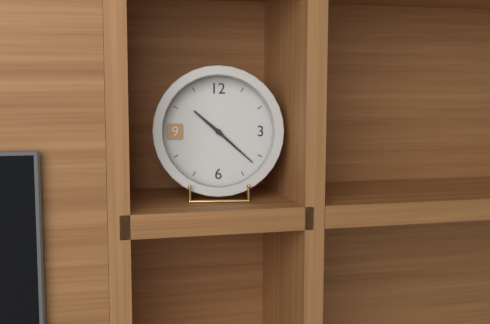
10:22
